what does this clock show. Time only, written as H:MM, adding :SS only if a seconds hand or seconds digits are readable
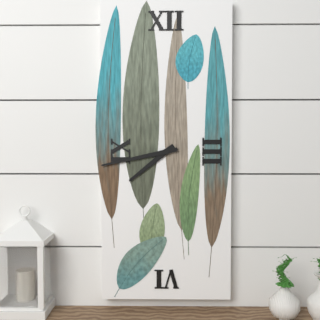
7:43
